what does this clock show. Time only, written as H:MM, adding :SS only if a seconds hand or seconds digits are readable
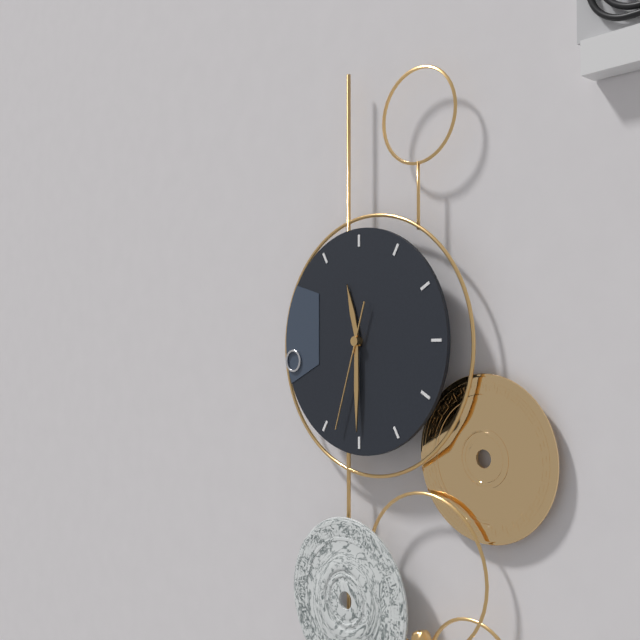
11:30:33
